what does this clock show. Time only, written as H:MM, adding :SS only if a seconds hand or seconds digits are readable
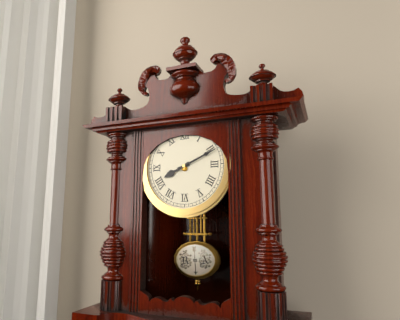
8:11
